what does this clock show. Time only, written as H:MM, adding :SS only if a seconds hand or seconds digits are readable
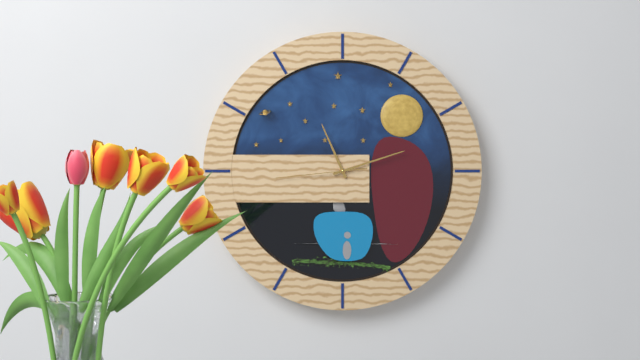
11:12:44
